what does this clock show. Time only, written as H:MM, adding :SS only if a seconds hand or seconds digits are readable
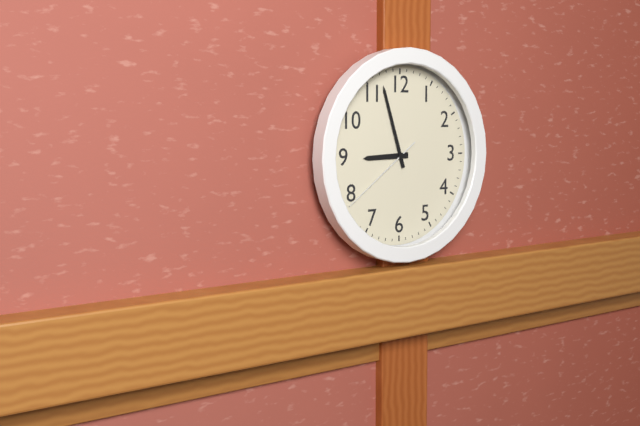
8:57:39
